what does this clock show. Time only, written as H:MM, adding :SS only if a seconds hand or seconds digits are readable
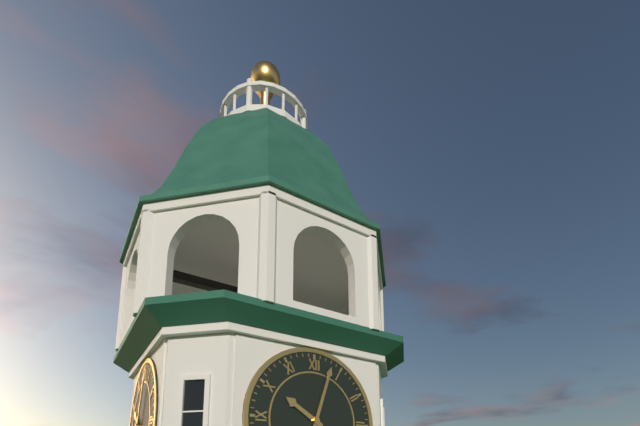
10:03
